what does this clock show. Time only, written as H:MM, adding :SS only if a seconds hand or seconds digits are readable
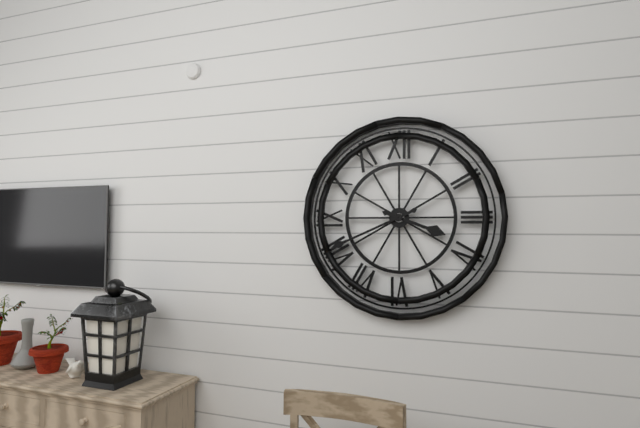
3:41
